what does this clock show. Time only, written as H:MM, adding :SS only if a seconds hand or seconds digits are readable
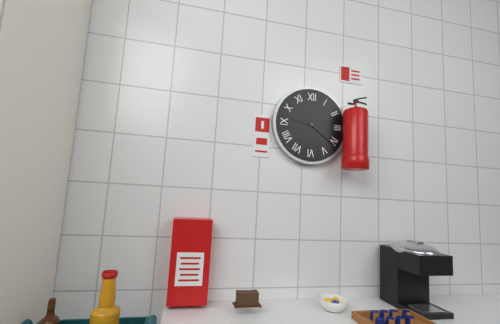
9:21
